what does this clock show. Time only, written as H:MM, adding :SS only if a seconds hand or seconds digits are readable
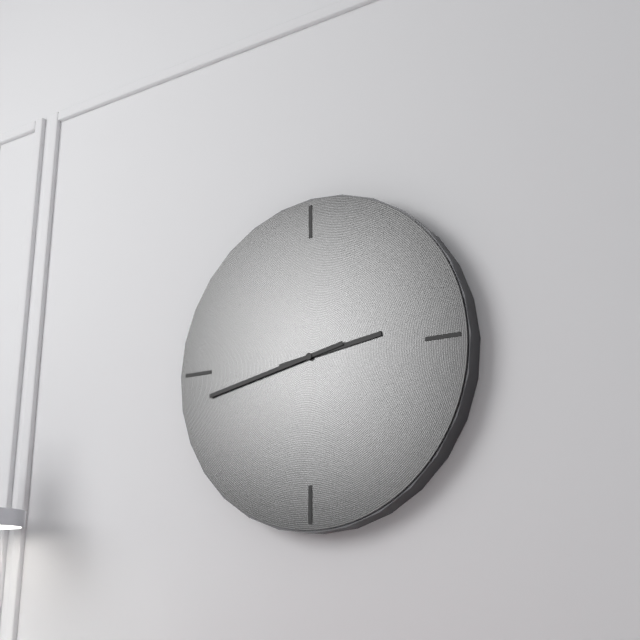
2:43
